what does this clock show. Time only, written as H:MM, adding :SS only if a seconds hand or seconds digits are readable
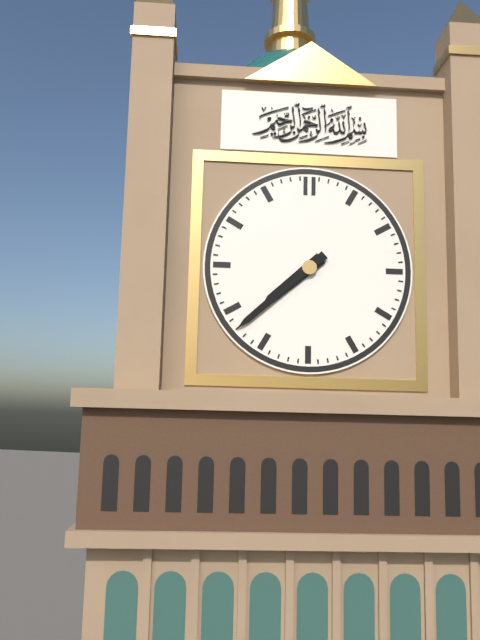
7:38
